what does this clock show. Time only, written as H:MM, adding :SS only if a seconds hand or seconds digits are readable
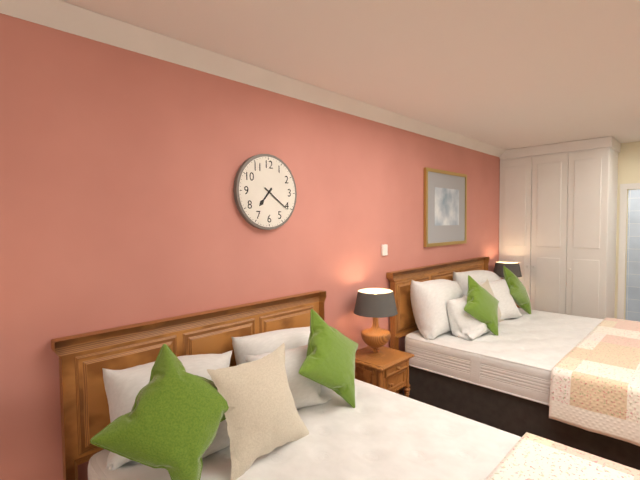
7:21
